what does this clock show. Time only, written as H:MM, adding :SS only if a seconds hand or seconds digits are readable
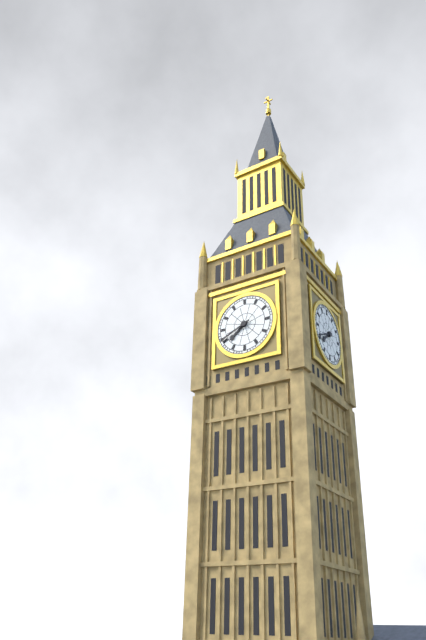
7:41
